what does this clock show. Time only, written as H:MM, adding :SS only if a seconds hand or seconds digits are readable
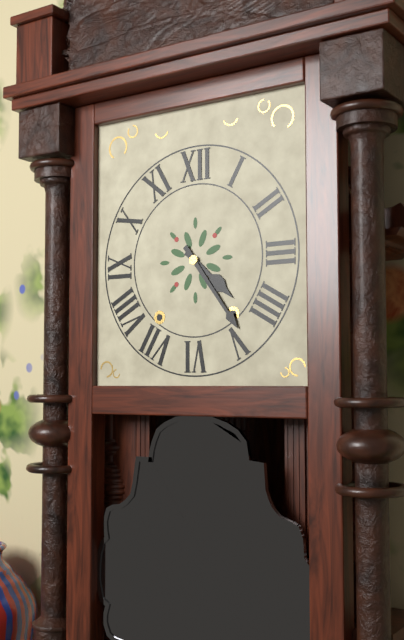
4:24
